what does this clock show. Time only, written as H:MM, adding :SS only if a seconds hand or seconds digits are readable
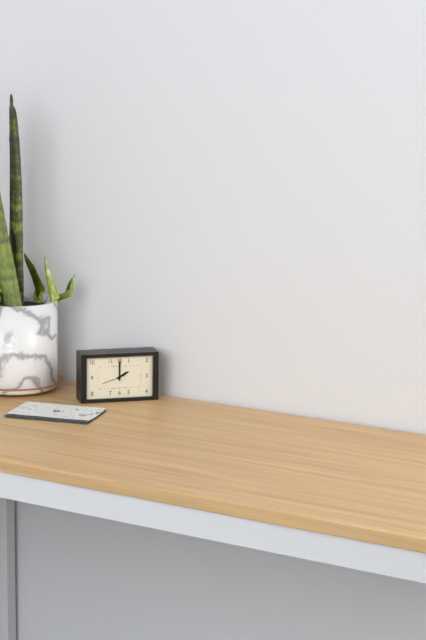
2:00
